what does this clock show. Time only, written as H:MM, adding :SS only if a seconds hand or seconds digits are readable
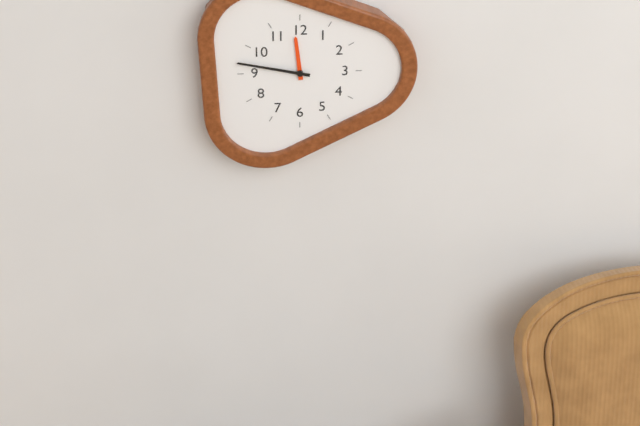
11:47
